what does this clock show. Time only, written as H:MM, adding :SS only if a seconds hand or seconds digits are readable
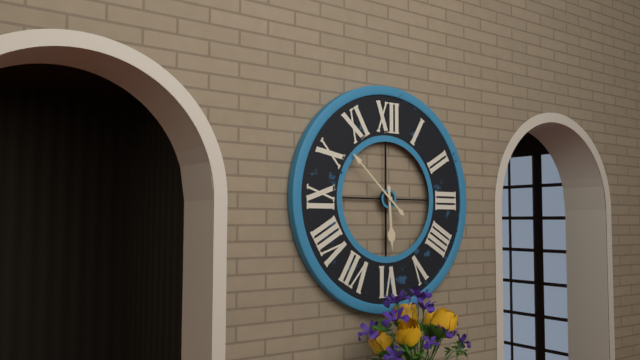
5:52
